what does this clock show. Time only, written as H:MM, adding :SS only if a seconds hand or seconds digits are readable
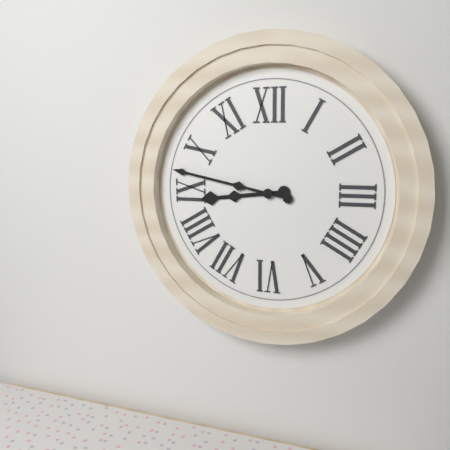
8:47
